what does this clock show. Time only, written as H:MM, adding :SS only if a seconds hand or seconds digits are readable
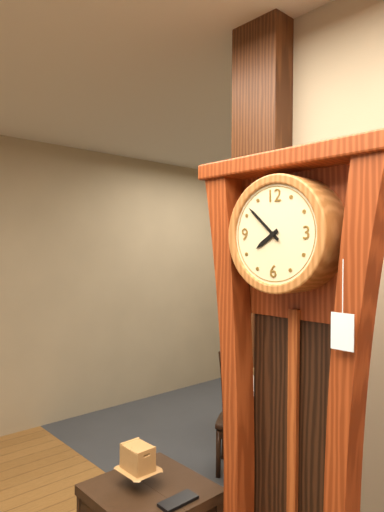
7:52
